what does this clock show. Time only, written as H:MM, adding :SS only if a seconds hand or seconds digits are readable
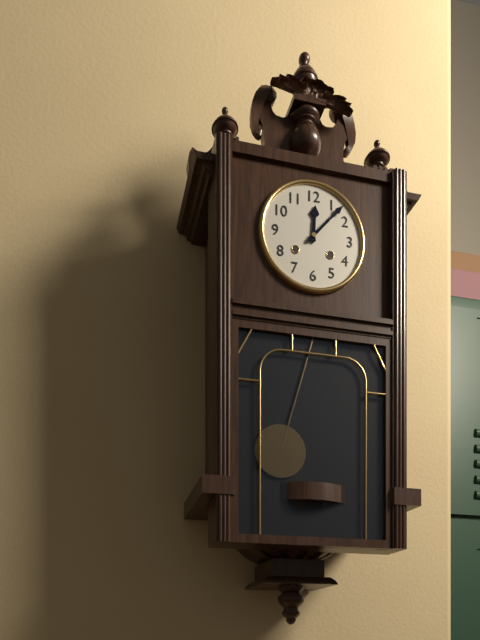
12:07
